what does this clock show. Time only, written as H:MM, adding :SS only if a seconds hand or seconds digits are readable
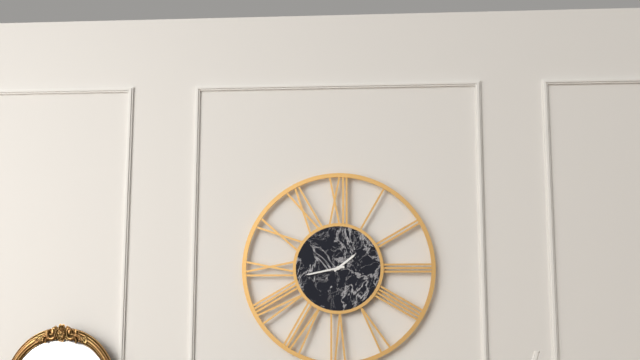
1:43
